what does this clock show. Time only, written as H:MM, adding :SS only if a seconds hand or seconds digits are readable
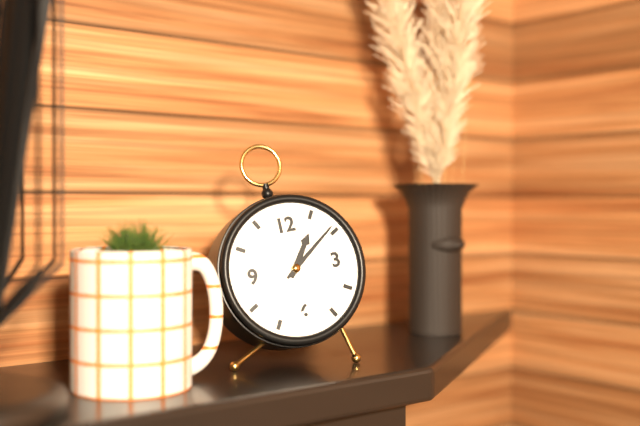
1:09
